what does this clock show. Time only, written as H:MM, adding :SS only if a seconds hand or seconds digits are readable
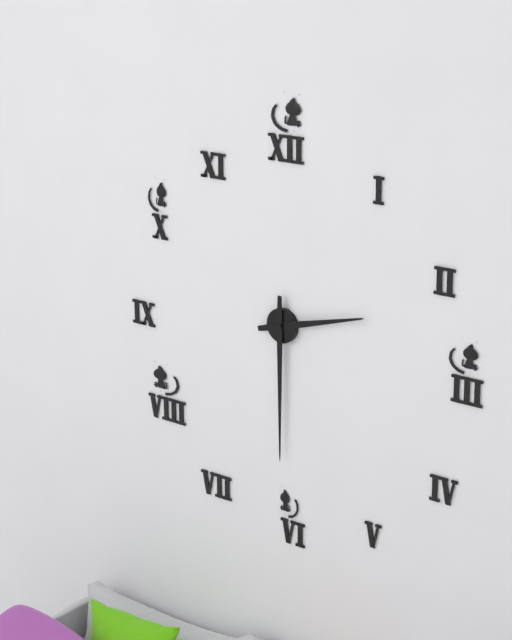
2:30
